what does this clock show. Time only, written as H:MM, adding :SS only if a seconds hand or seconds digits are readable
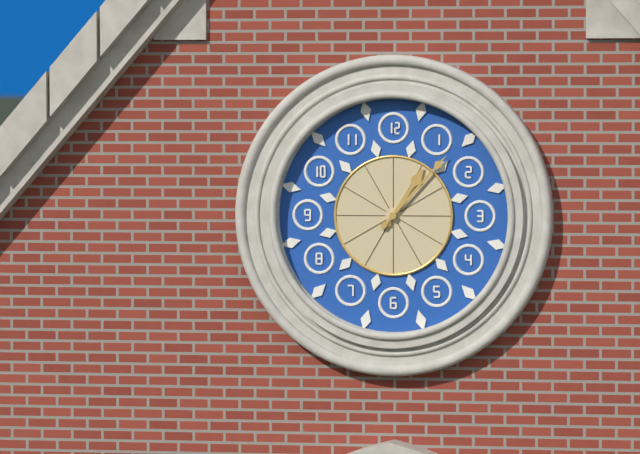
1:07
